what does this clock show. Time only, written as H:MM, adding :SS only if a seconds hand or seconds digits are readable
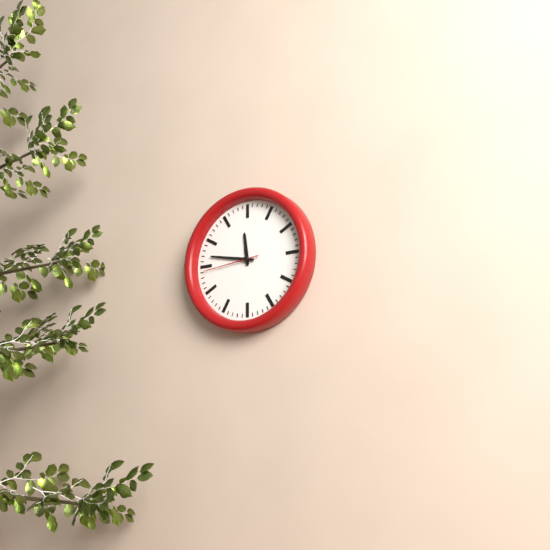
11:47:44
